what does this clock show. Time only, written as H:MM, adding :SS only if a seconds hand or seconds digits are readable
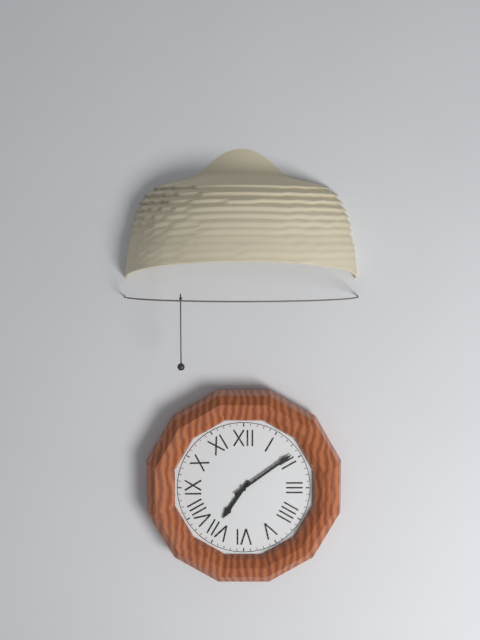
7:09
